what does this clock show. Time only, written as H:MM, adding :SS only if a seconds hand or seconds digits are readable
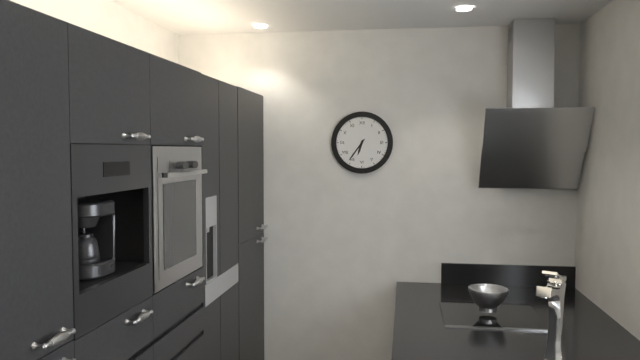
6:36
